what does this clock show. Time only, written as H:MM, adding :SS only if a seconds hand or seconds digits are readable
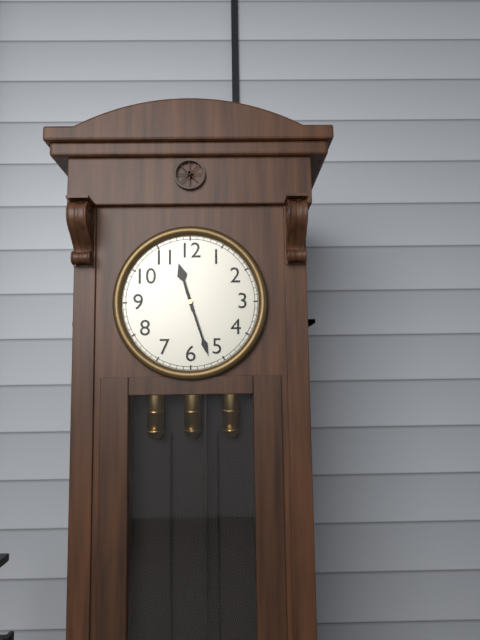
11:27
